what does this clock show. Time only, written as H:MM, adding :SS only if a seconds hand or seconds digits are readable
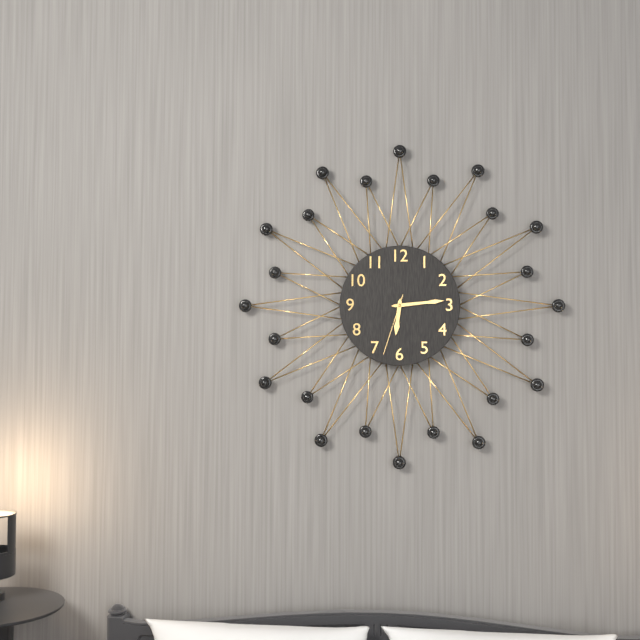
6:14:33
